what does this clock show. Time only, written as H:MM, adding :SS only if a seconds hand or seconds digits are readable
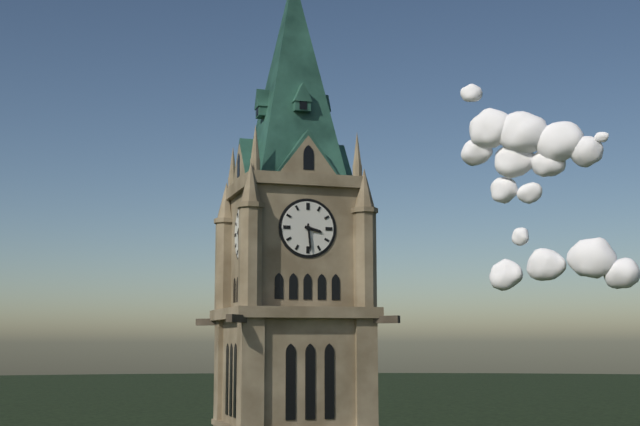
3:29
